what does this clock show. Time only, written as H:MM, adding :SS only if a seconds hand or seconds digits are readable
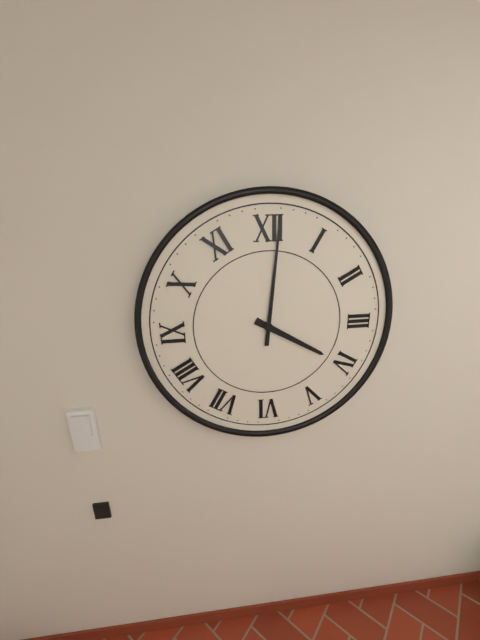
4:01
